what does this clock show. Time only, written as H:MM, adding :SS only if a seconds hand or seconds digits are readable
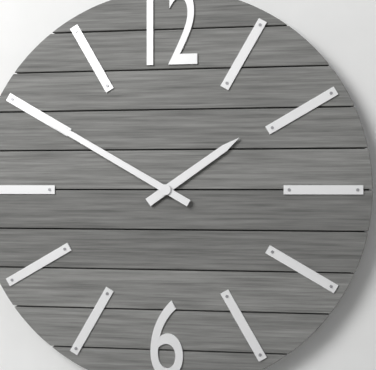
1:50
